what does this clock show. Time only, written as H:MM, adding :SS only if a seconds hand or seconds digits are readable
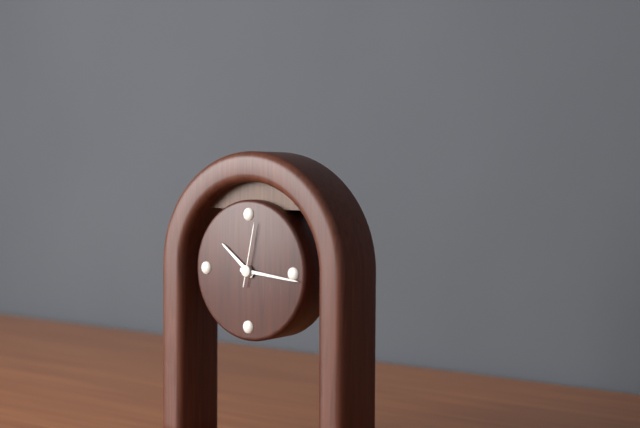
10:16:02
